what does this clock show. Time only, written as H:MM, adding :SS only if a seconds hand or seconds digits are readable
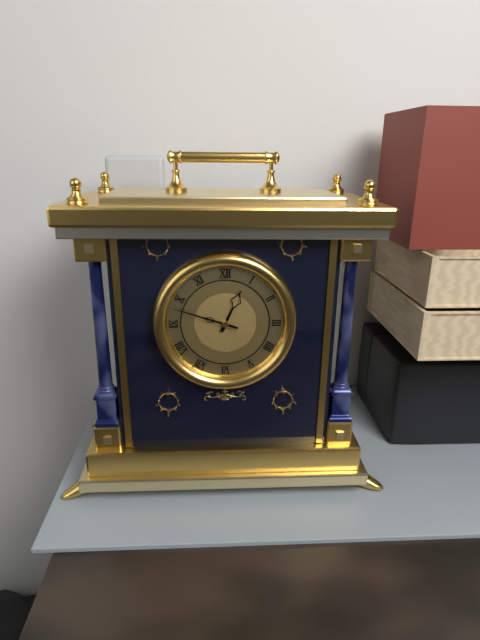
12:48
